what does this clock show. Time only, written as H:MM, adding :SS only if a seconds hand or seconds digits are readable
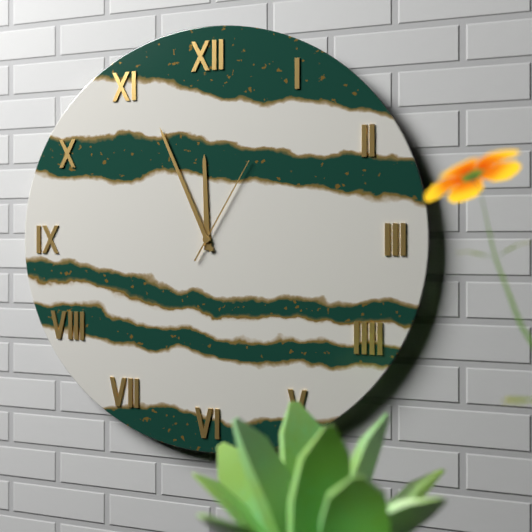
11:56:05
